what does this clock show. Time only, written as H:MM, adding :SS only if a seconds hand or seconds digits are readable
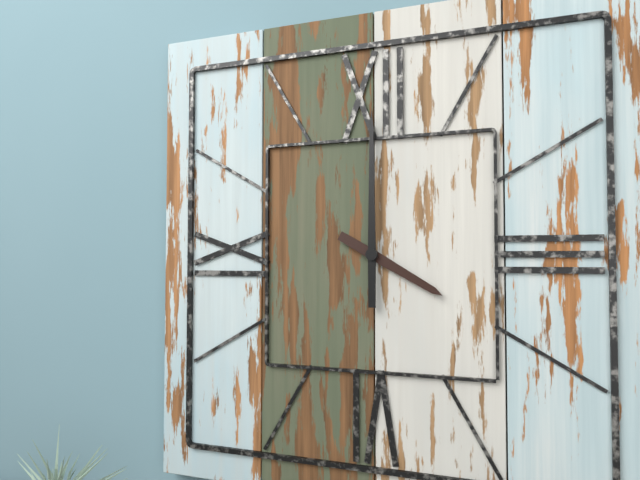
4:00
